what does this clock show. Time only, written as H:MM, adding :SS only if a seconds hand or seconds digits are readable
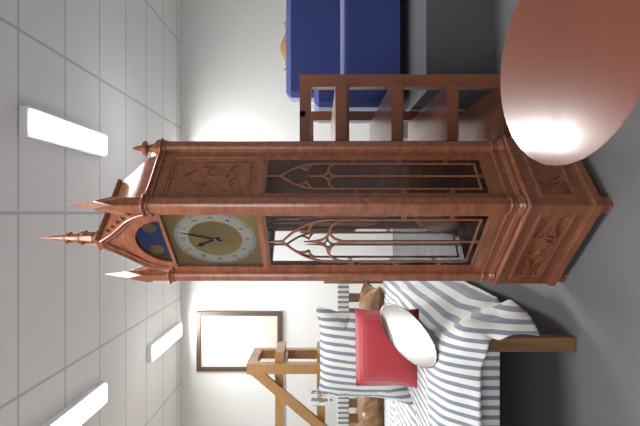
11:03
